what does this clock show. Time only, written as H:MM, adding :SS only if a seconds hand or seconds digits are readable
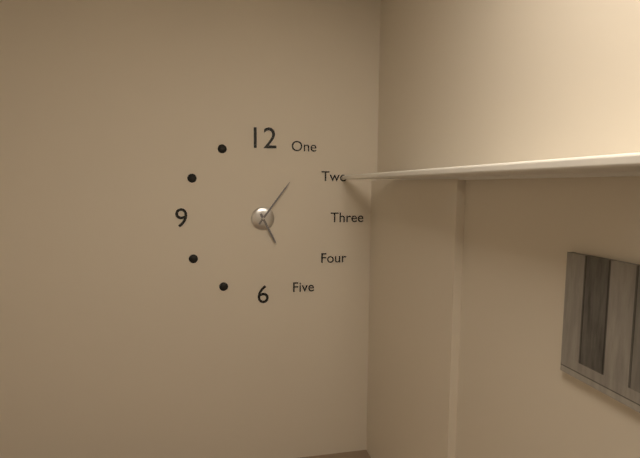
5:06
